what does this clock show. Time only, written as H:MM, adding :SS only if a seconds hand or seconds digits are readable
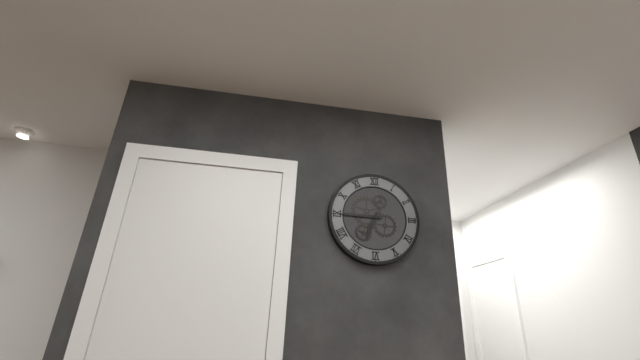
6:45
